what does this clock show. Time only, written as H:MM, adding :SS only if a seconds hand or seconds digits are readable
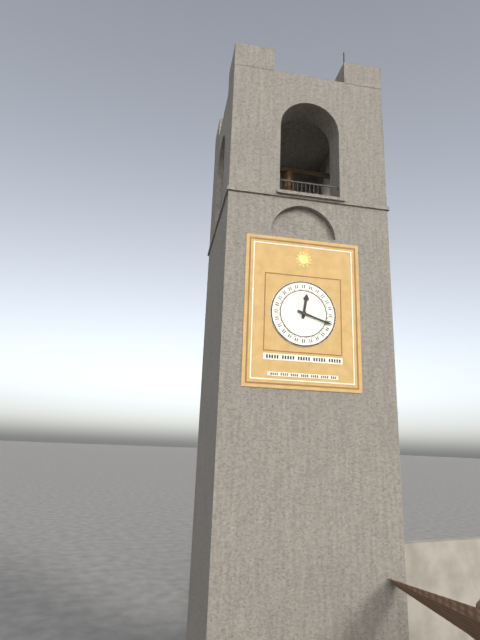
12:18
